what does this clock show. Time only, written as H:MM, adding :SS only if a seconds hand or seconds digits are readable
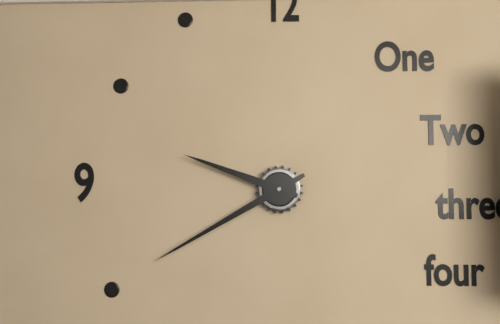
9:40
